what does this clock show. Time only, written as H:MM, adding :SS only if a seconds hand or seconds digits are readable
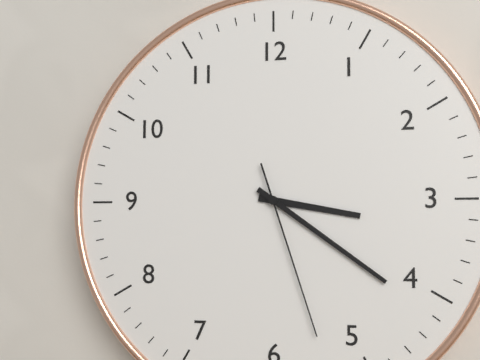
3:21:27
